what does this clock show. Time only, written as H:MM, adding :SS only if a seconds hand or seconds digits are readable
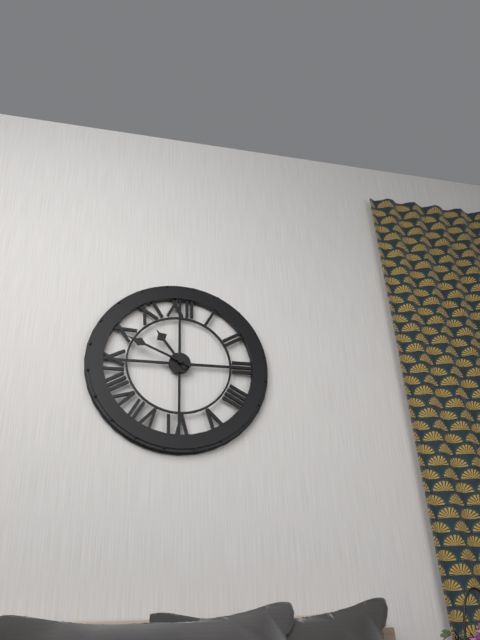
10:49
